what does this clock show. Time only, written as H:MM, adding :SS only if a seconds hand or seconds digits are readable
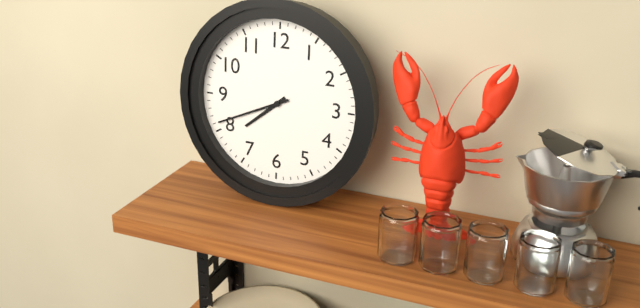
7:41
